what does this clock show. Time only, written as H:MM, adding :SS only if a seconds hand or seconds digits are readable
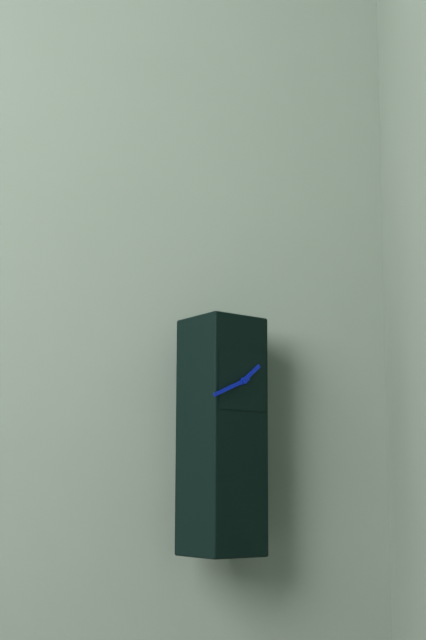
1:41
